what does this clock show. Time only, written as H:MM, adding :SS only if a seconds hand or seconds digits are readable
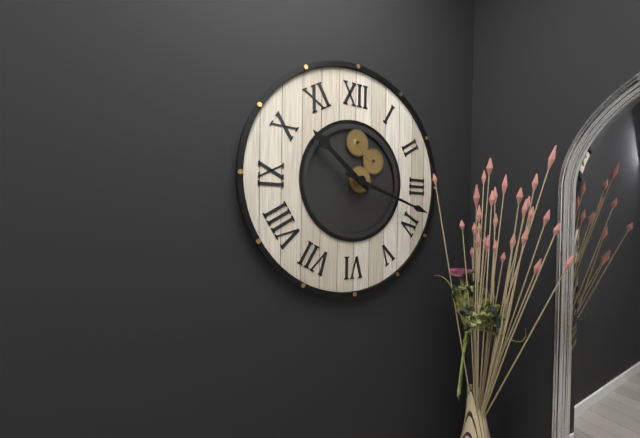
10:18
